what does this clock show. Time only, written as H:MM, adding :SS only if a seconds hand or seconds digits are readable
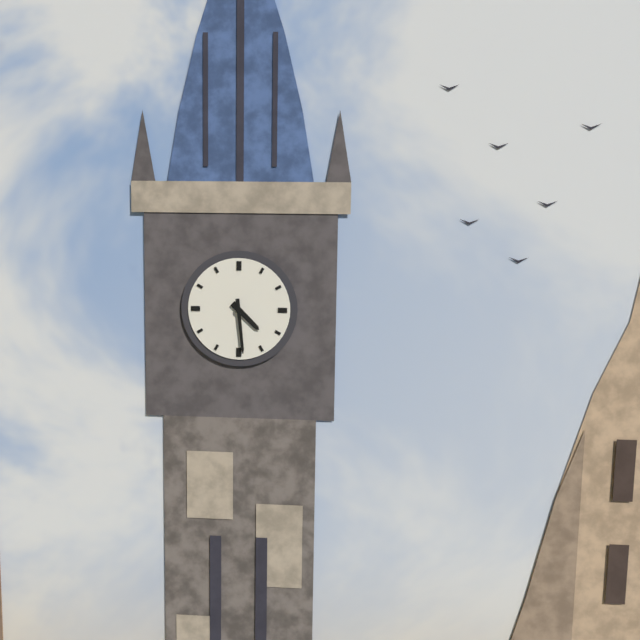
4:29
